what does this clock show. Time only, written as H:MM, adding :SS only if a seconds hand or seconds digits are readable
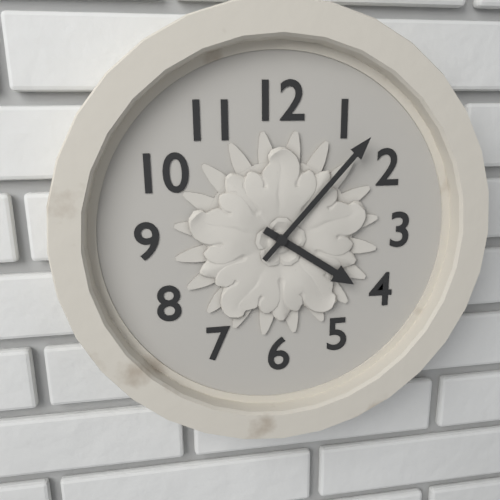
4:07
